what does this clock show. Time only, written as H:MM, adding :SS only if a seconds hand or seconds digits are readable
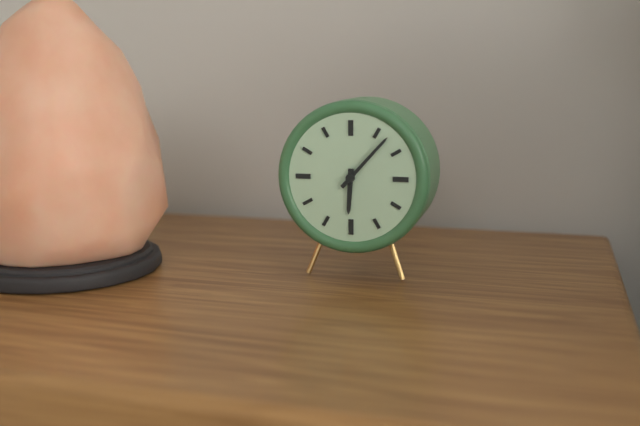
6:07
